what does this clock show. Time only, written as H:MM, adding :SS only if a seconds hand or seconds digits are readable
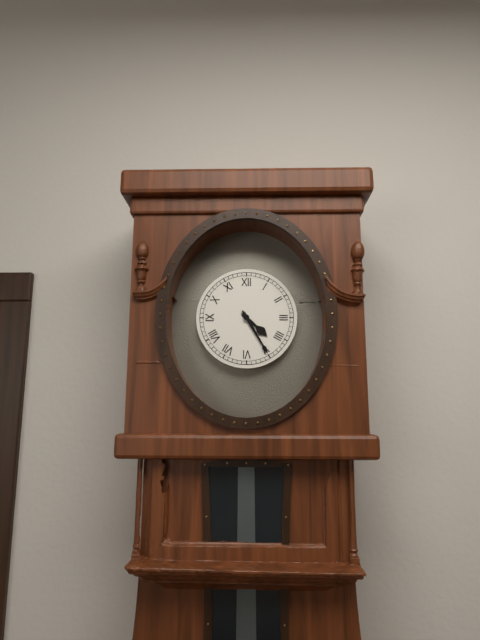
4:25
